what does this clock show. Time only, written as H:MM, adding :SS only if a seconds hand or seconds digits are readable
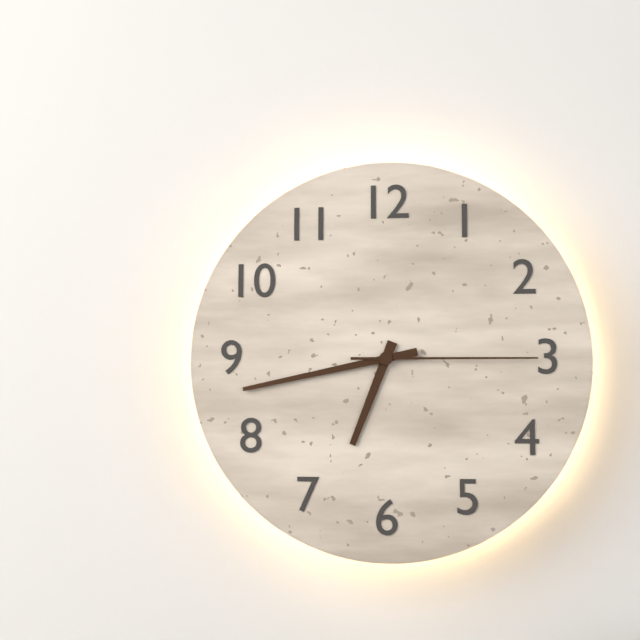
6:43:15
